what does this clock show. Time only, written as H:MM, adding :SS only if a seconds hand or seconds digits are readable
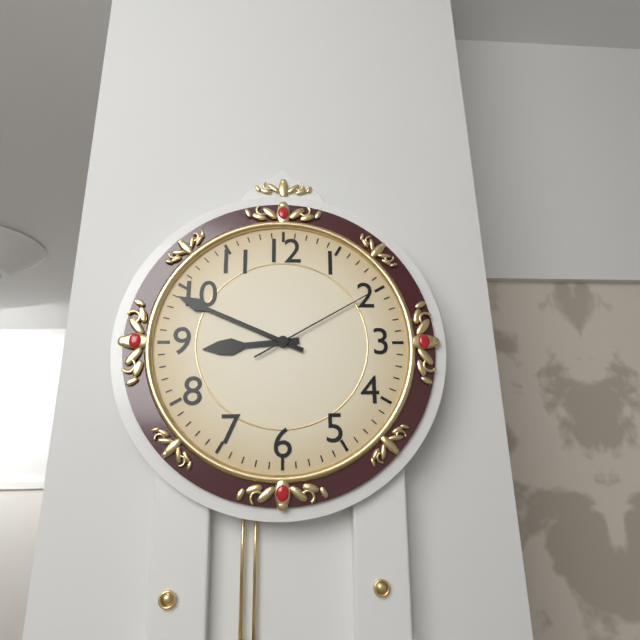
8:49:10
